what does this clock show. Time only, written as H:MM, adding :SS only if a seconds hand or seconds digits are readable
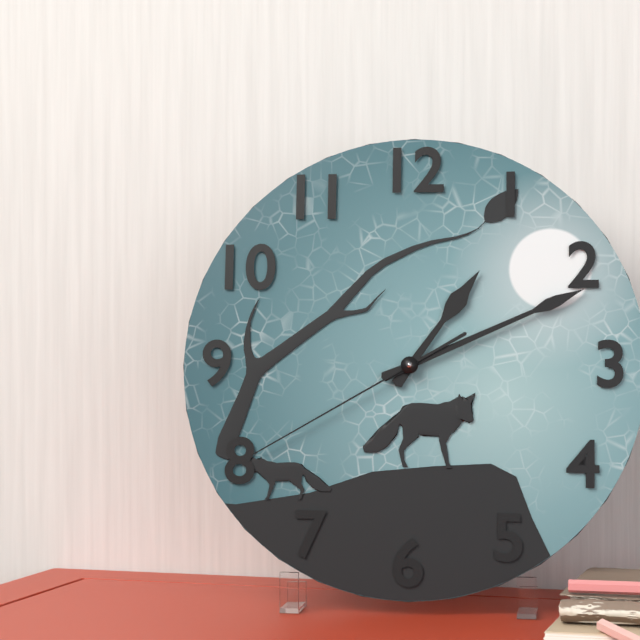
1:11:40
